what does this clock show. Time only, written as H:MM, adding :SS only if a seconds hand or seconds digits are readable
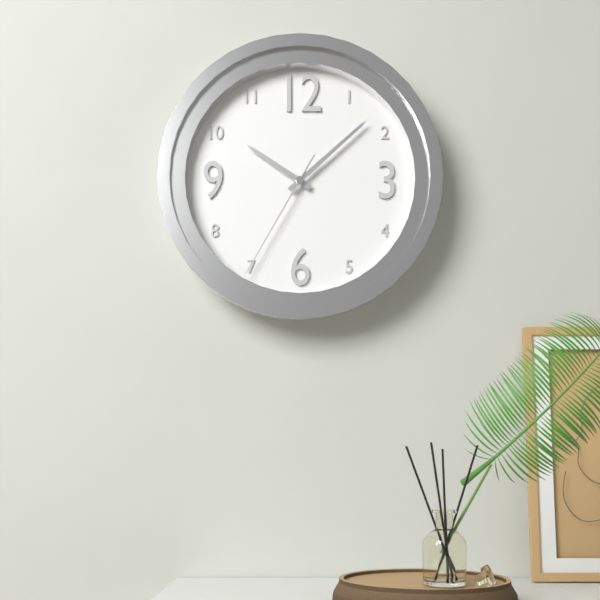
10:08:35
